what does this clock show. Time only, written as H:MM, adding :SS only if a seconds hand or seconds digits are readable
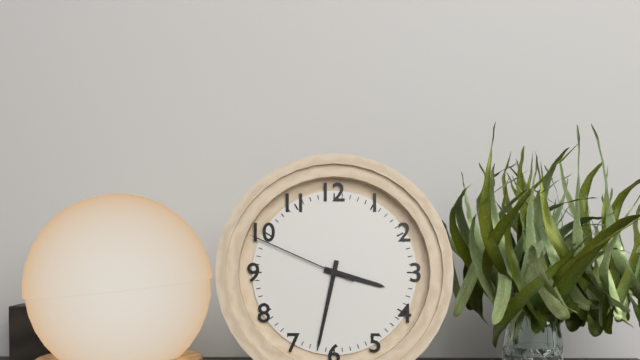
3:32:49
